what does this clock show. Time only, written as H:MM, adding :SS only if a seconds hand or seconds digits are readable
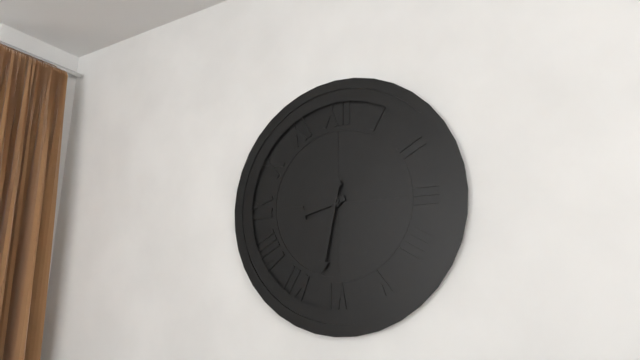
8:32
